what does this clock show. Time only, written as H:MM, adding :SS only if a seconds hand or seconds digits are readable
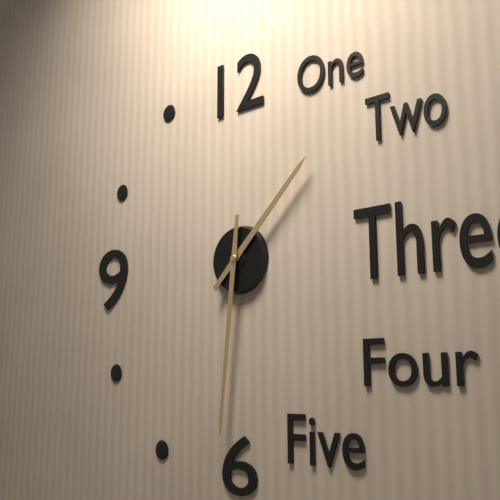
1:31
